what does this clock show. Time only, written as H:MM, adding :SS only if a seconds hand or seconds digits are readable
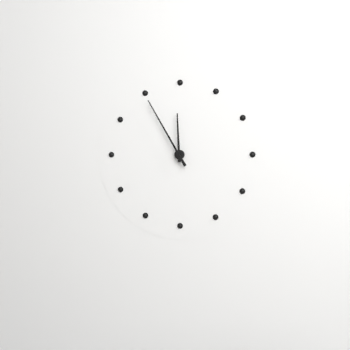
11:55
